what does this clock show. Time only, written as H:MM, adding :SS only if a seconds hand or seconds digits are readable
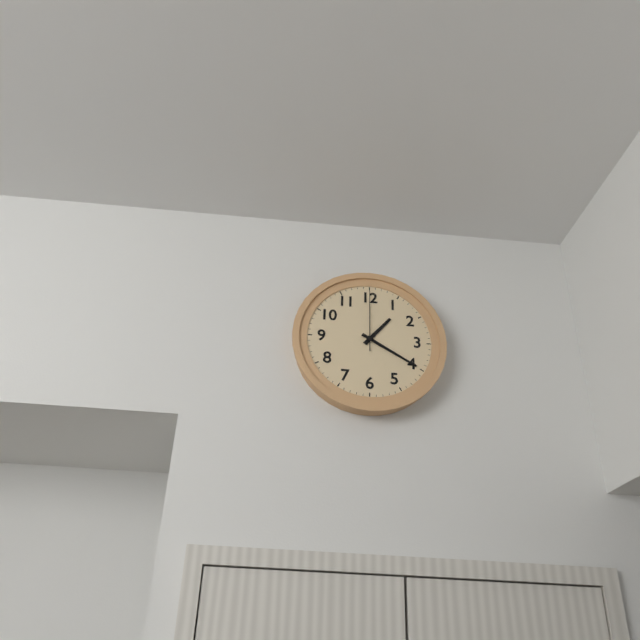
1:20:00
